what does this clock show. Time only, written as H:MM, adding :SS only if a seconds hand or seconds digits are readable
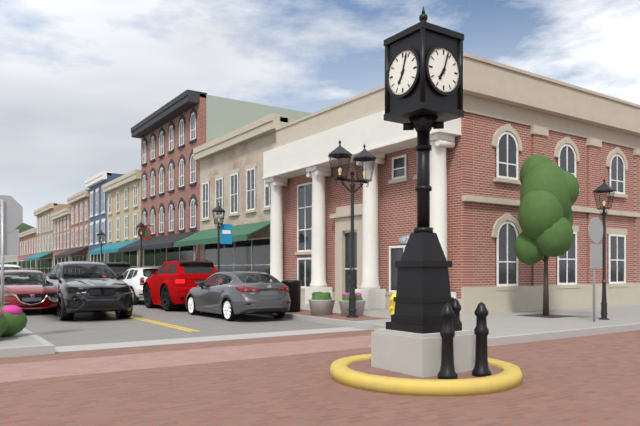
7:03
